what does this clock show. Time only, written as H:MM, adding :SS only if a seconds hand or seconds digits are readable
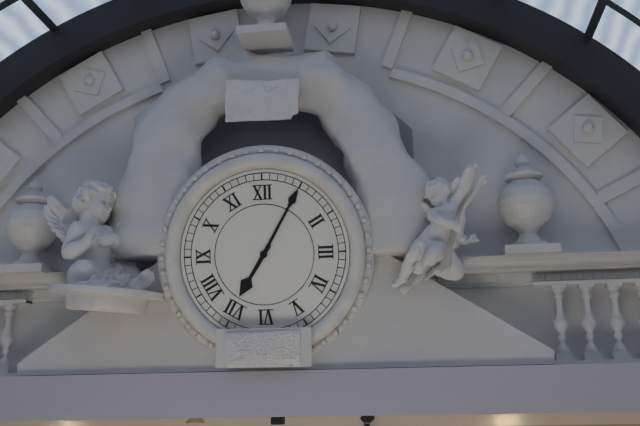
7:05
